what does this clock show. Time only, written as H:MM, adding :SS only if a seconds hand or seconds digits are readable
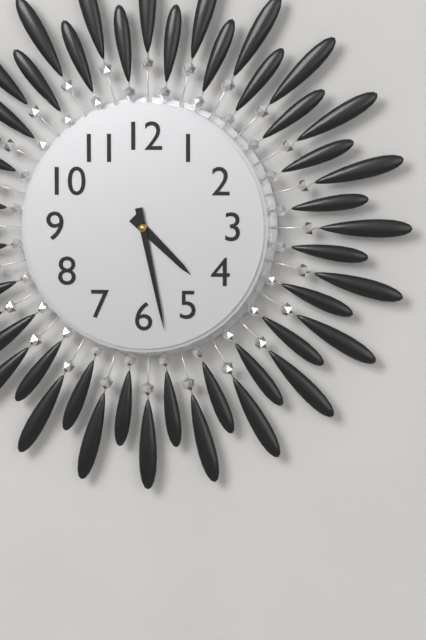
4:28
